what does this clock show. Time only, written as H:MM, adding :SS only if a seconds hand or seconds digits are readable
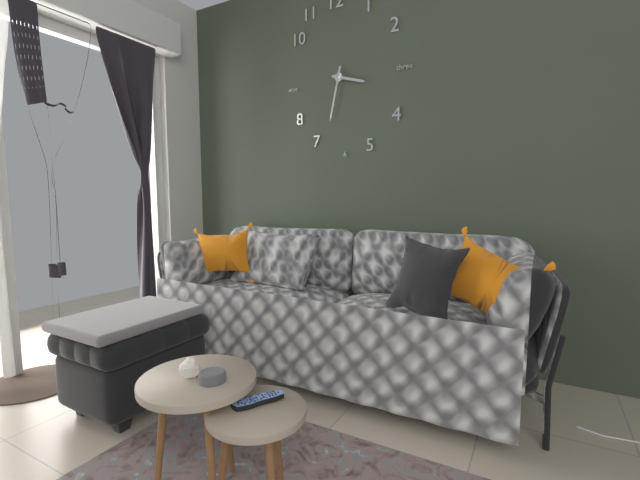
3:32
